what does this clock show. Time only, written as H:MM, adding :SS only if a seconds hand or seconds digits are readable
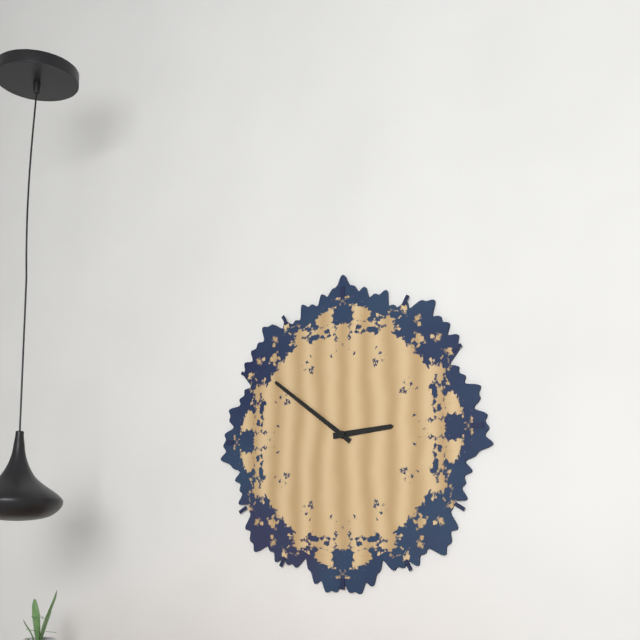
2:51
